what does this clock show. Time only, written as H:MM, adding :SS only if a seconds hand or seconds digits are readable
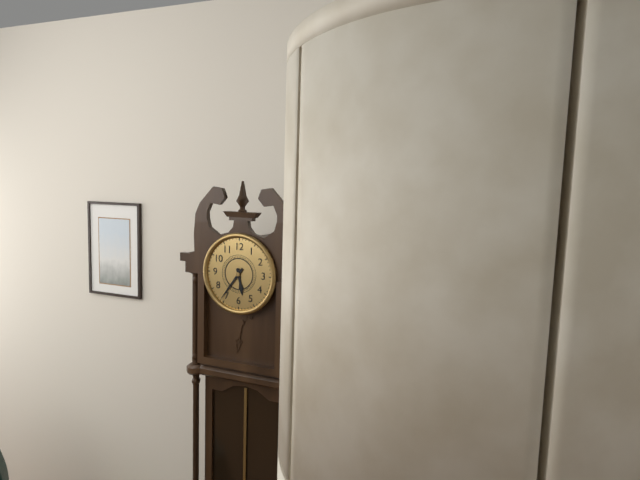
5:36
